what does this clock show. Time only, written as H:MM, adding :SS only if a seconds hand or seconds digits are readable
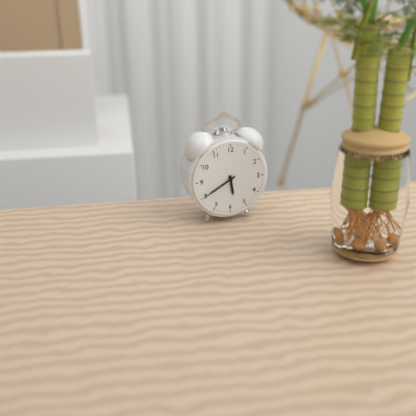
5:40
